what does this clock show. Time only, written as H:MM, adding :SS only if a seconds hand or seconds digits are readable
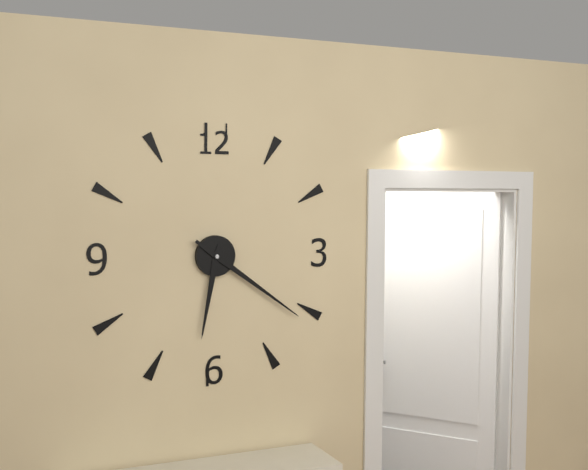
6:21
